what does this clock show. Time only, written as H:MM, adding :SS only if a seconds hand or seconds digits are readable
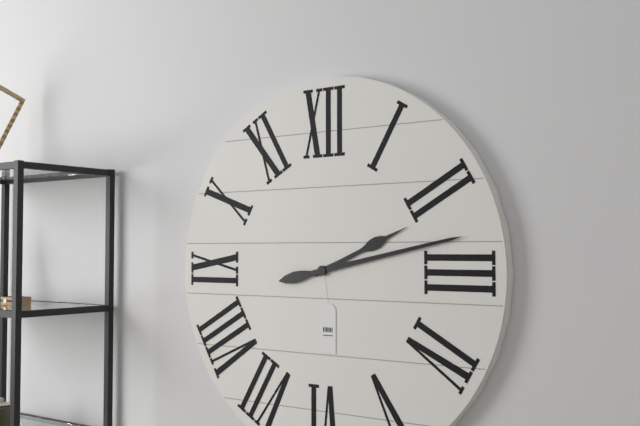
2:13
